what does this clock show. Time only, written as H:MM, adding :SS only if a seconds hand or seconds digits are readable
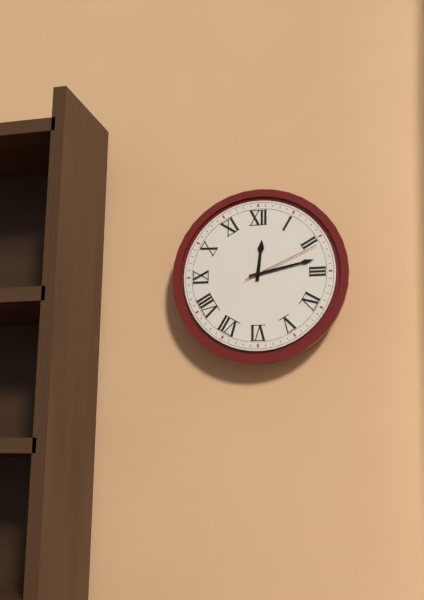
12:13:11
